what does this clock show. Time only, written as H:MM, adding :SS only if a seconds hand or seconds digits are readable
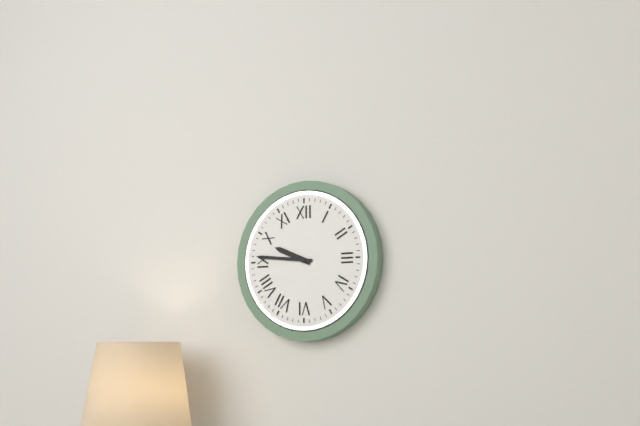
9:46
